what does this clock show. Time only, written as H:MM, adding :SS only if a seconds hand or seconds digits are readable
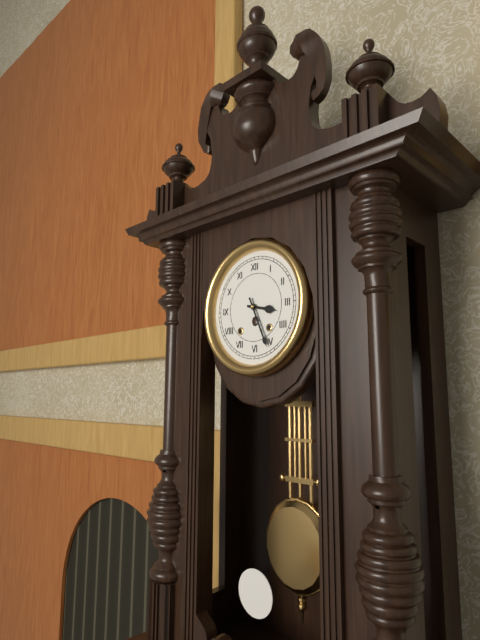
3:26
